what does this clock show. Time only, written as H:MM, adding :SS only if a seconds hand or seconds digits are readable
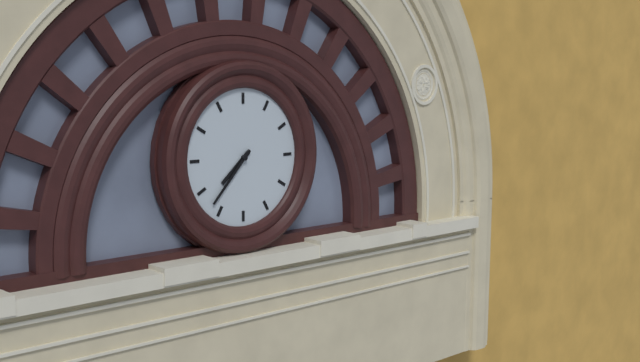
7:37
